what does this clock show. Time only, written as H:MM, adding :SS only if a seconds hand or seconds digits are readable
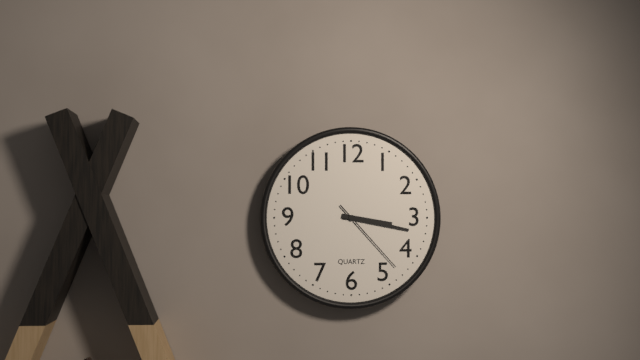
3:17:23
